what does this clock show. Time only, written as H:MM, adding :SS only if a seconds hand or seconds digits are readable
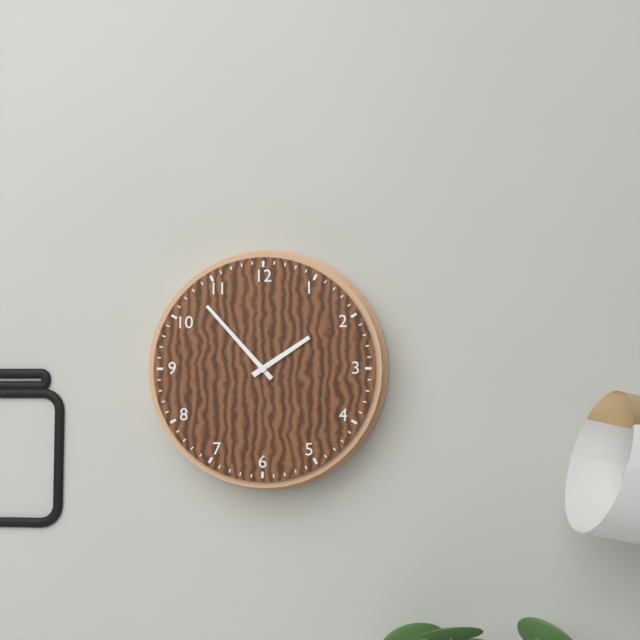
1:53
